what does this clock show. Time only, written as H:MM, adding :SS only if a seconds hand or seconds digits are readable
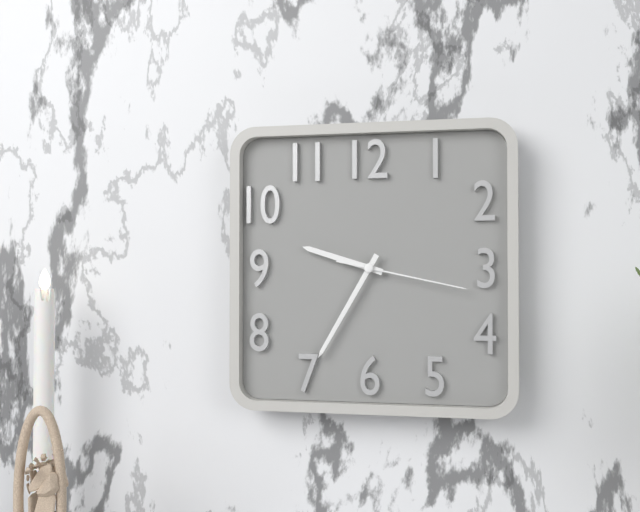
9:35:17
